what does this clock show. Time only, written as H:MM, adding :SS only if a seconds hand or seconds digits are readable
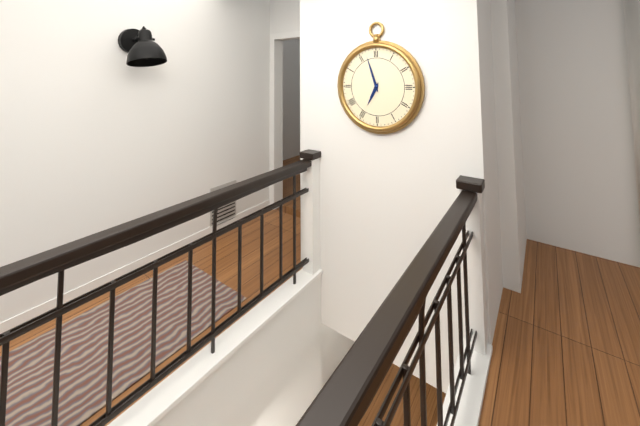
6:57
